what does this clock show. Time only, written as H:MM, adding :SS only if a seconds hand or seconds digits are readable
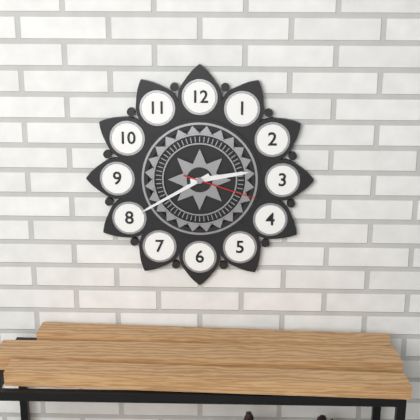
2:40:18
